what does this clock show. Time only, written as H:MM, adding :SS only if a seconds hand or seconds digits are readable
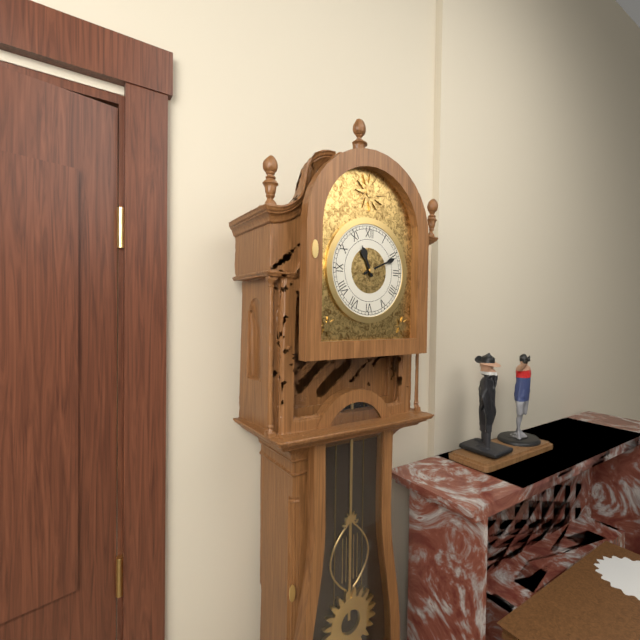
11:11
